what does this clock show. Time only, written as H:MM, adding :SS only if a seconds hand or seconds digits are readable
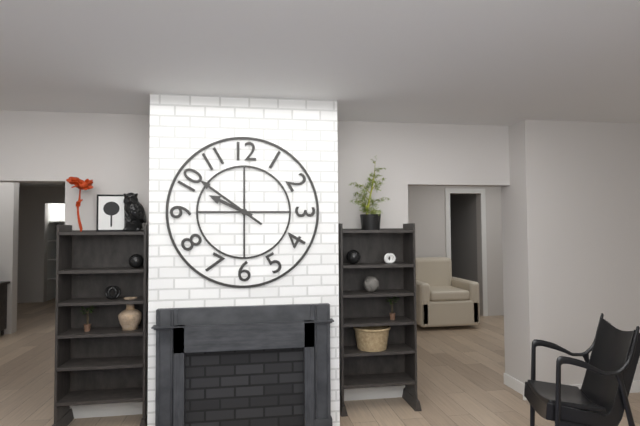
9:51
